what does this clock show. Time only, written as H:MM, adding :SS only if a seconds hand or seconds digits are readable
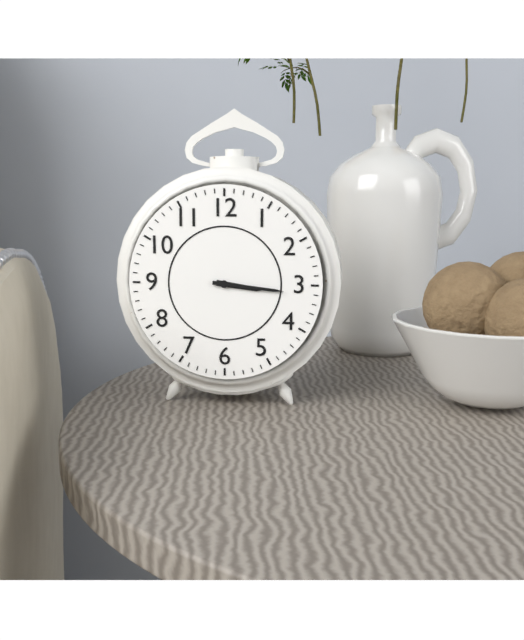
3:16
